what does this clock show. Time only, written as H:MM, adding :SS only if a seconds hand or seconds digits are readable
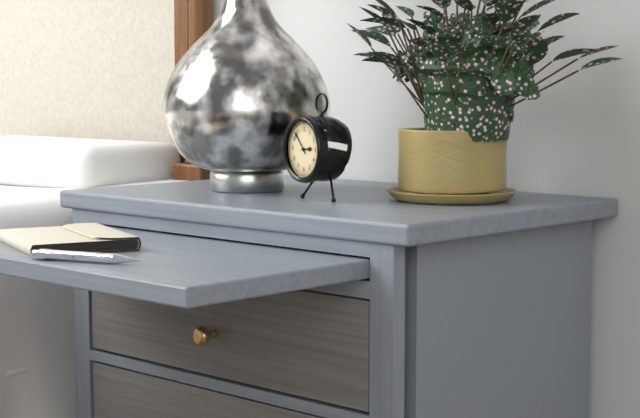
2:53
